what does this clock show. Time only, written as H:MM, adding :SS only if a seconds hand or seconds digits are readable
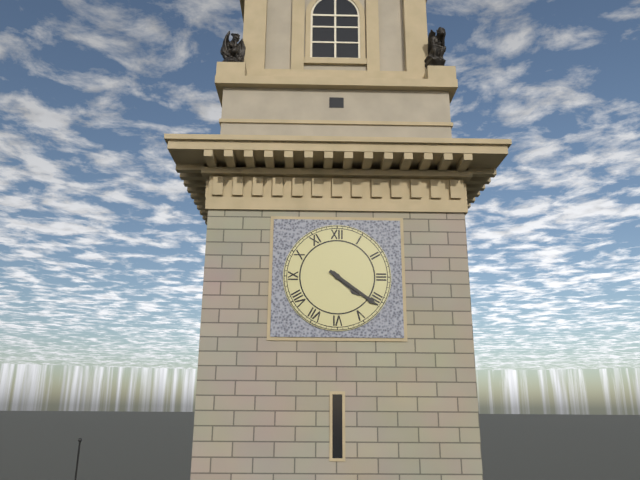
4:21
